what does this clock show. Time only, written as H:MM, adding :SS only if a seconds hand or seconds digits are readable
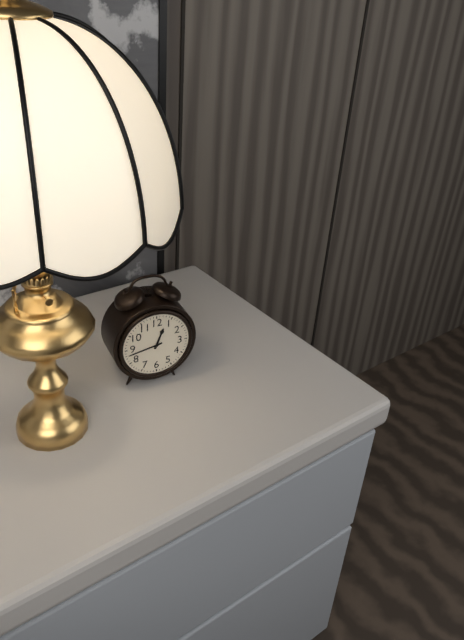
12:43
